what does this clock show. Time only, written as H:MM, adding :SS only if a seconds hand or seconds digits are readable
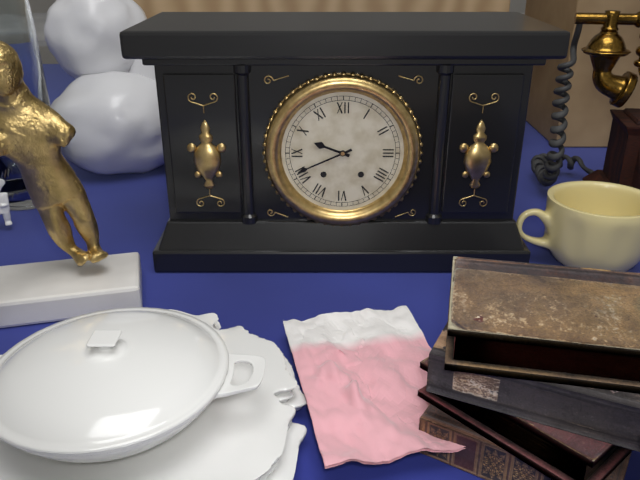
9:41
